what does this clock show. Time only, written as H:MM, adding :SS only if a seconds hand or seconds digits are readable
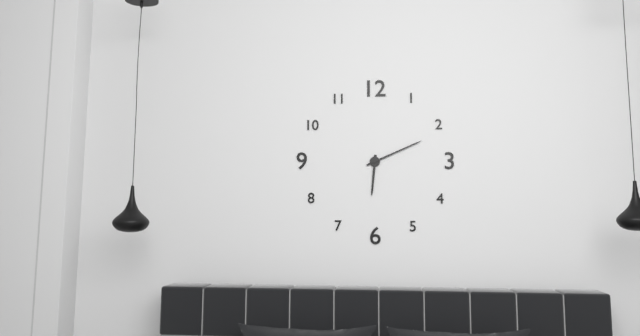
6:11
